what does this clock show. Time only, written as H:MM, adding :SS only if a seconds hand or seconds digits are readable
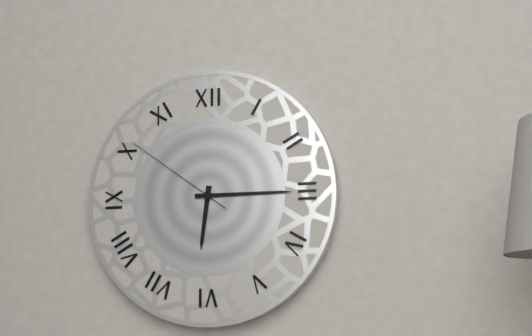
6:15:51
